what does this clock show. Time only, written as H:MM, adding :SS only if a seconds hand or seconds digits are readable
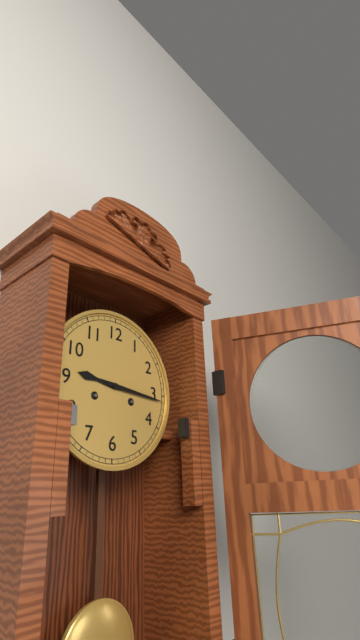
9:16
